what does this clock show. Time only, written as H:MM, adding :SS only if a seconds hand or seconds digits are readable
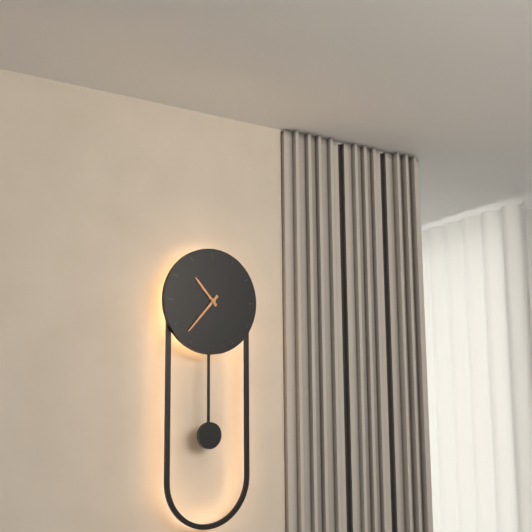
10:37
